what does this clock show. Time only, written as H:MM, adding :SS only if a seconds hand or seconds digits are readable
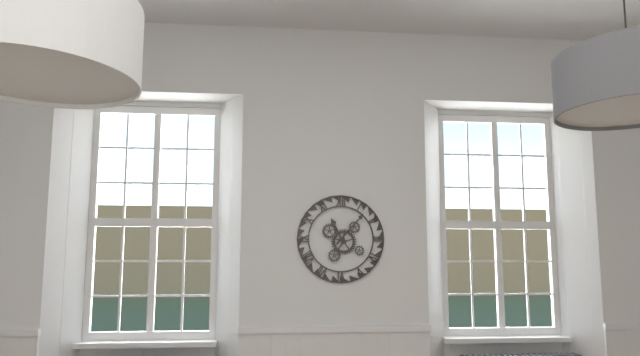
11:07
